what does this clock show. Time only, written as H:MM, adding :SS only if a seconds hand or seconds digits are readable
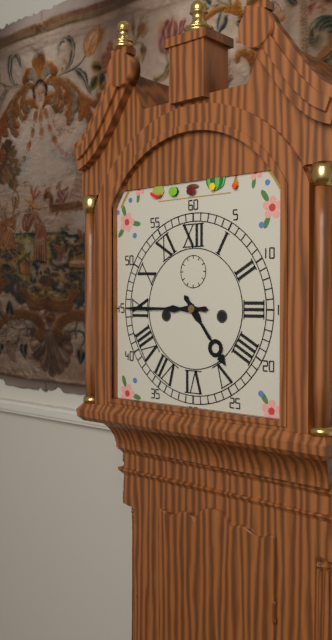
4:45
